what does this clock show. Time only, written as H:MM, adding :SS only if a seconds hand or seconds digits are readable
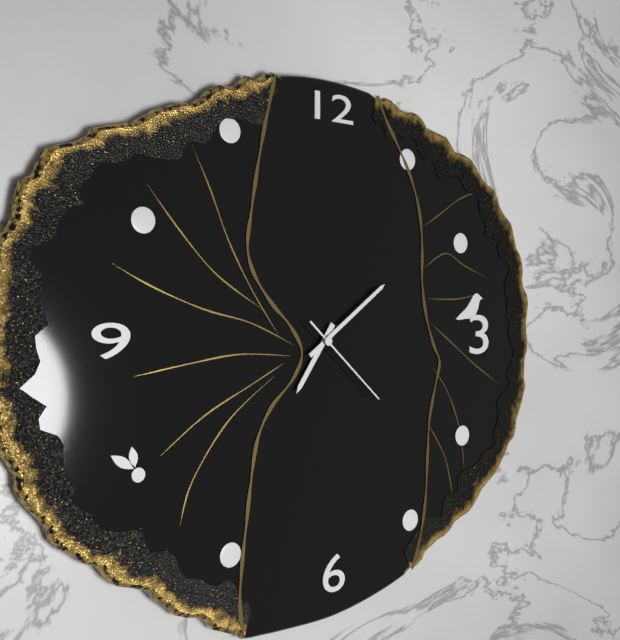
7:09:22
